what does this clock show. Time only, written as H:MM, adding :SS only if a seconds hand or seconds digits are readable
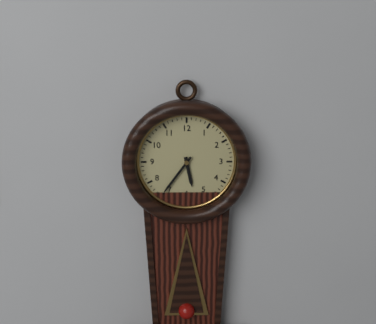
5:36
